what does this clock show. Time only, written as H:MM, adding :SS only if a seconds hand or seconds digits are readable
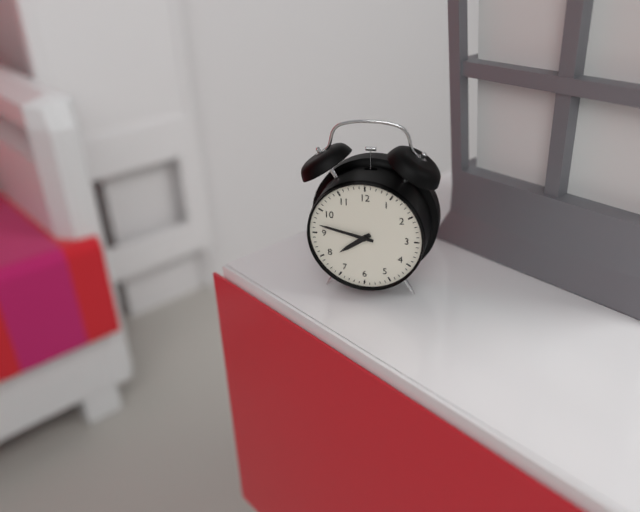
7:47
